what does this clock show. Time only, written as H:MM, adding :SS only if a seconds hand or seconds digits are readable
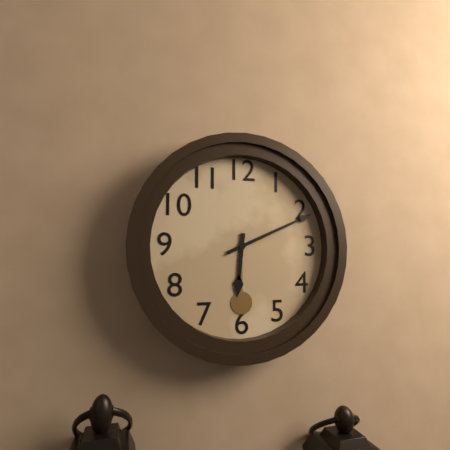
6:11
